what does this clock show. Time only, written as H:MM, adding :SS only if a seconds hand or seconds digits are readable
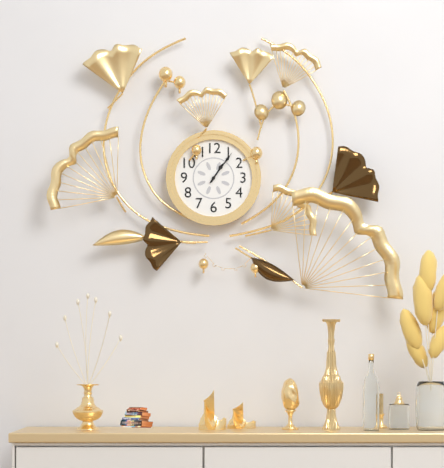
1:06
